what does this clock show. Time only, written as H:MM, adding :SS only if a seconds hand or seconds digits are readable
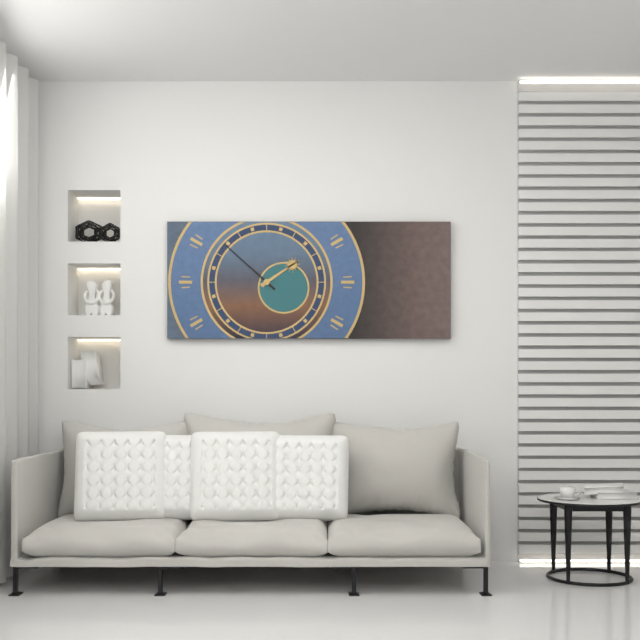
1:52
